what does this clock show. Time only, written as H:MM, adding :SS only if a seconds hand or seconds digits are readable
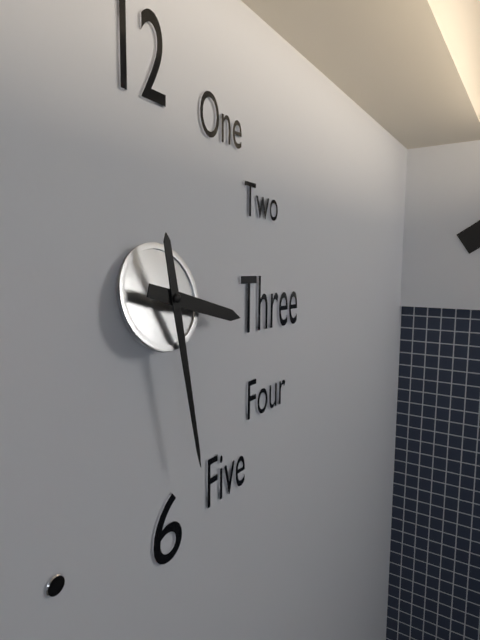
3:28
